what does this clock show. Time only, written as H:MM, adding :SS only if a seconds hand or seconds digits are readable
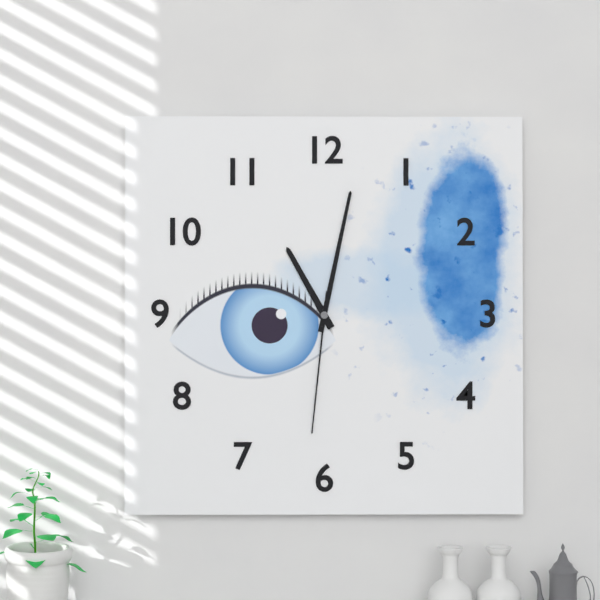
11:02:31
